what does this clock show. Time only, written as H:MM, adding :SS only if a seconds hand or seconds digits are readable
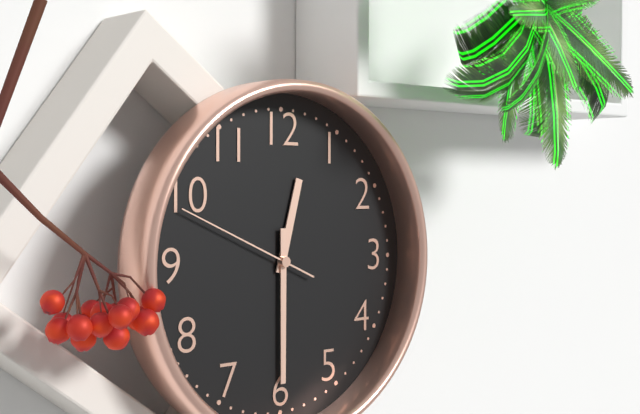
12:30:49
